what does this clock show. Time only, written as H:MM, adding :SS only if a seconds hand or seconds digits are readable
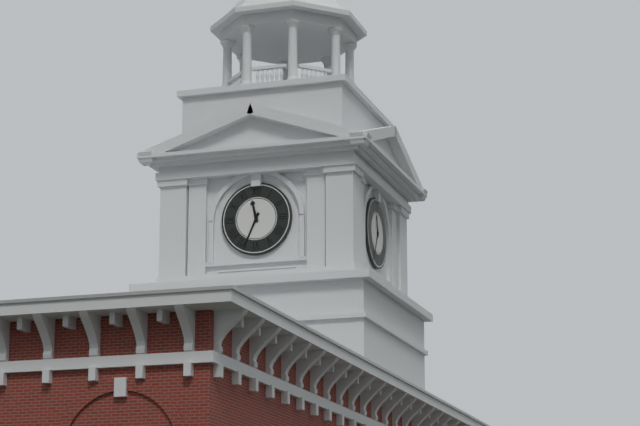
11:34
